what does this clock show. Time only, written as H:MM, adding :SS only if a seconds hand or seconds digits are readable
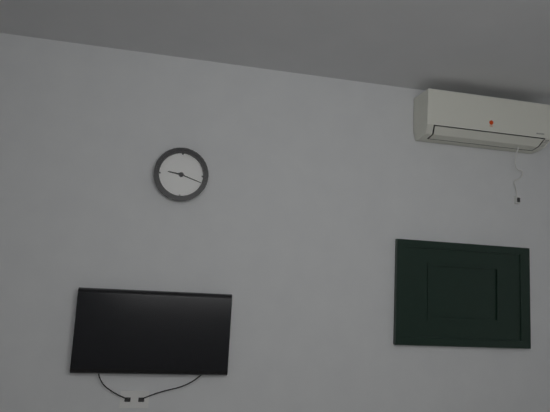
9:18
